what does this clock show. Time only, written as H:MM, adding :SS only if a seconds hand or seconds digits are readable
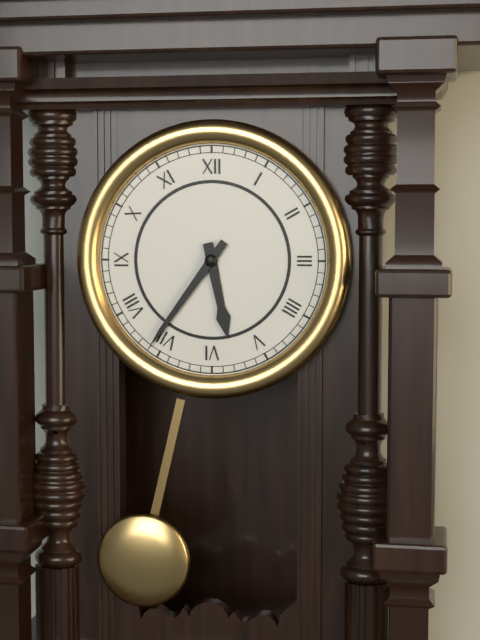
5:36
